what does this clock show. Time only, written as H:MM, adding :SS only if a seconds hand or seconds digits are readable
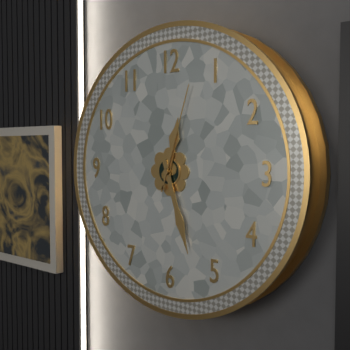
12:27:03
